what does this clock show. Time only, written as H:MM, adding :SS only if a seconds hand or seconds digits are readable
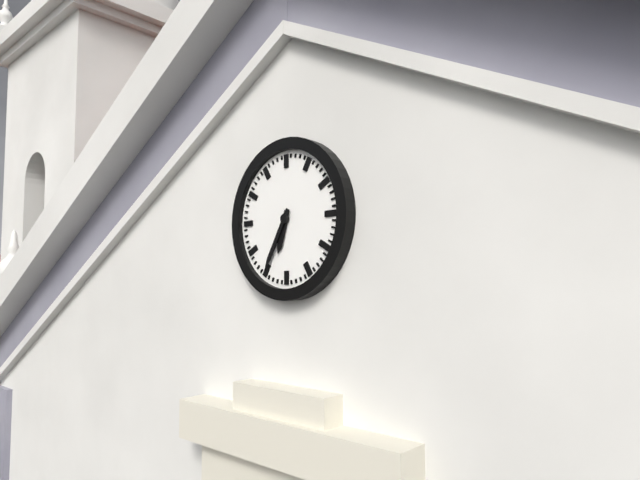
6:35
